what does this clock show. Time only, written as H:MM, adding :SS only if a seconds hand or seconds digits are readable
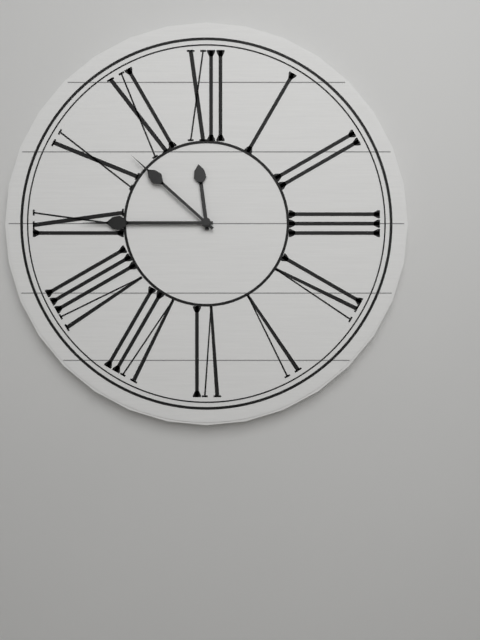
11:45:52
